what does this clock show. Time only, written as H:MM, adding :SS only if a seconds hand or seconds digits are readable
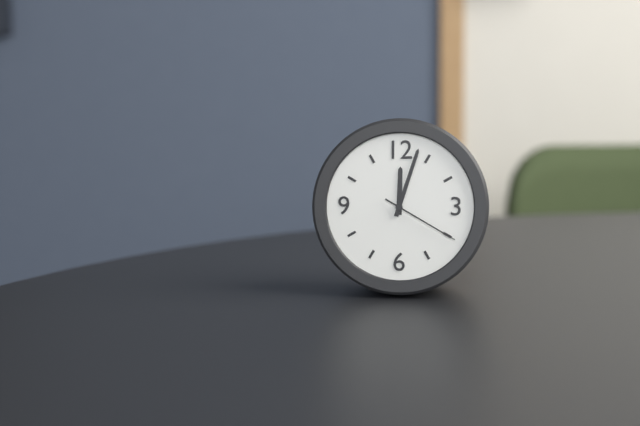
12:03:20
